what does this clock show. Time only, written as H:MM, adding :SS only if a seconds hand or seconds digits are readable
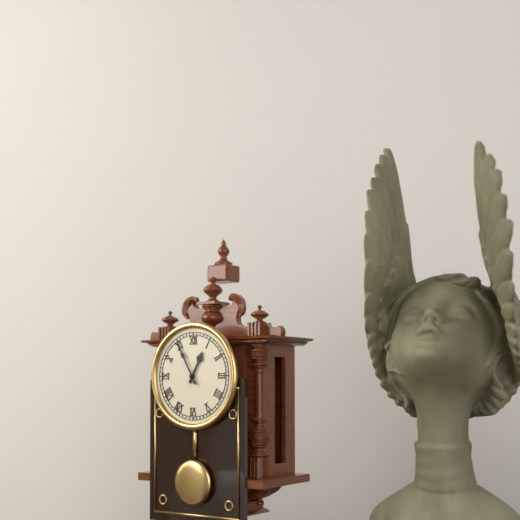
12:55
